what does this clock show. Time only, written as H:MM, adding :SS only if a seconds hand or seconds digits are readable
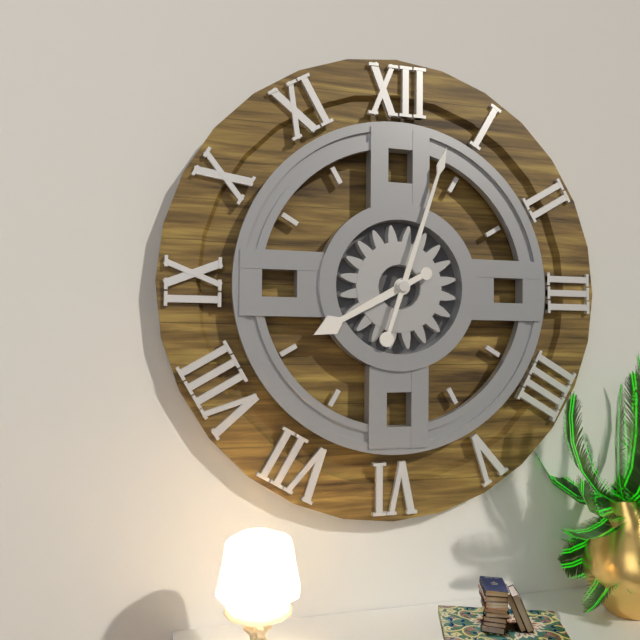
8:03
